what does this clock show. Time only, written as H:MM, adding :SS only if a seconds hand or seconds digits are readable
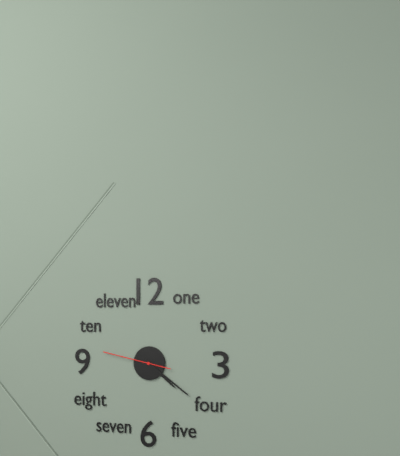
4:21:47
